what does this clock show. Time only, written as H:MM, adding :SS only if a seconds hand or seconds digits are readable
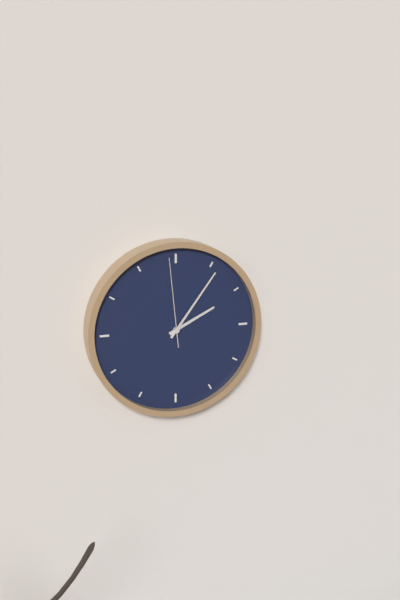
2:06:59
